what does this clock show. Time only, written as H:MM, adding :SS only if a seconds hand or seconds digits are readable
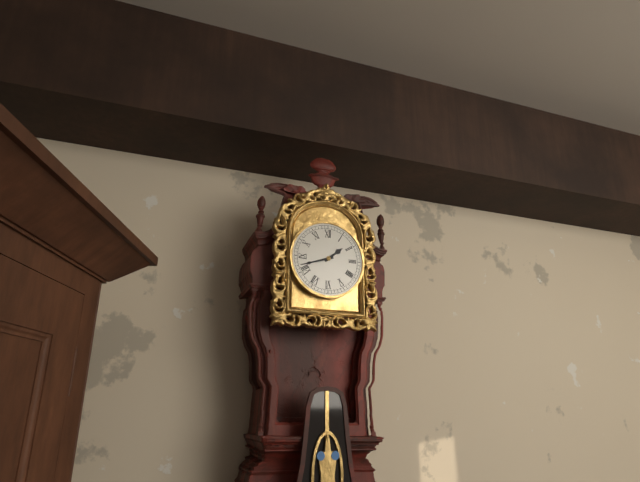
1:42
